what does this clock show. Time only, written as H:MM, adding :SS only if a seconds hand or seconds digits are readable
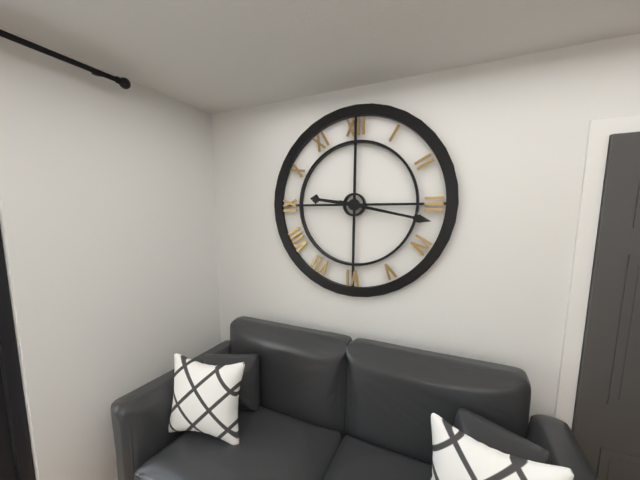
9:17
